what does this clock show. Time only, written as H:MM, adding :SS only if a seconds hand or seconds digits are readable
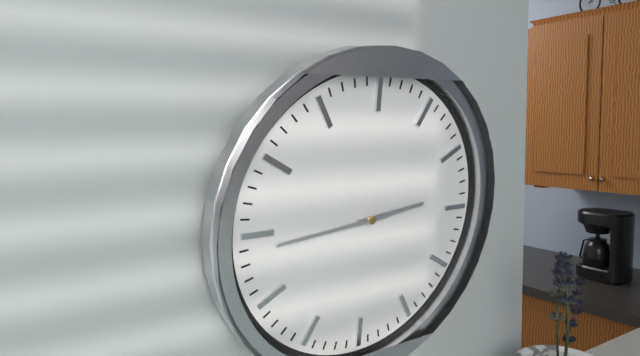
2:44
